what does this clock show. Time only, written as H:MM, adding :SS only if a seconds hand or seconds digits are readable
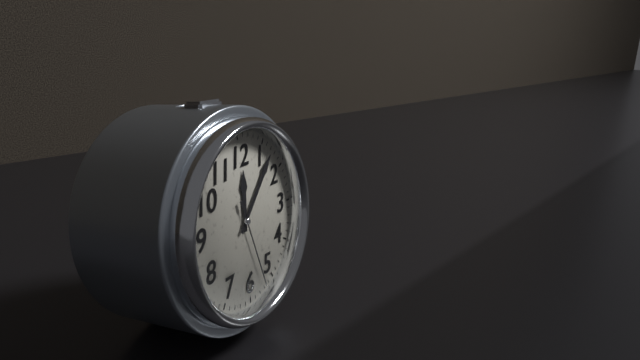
12:07:27
